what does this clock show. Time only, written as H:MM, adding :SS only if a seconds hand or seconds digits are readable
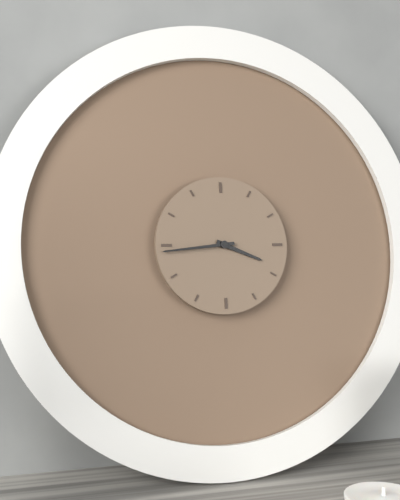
3:44
